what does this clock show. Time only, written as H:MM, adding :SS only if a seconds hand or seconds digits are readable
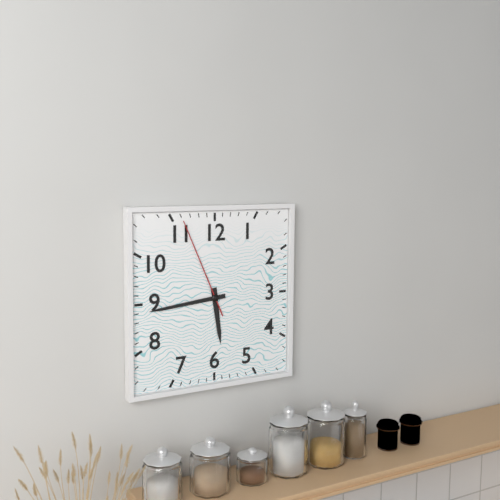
5:44:56
